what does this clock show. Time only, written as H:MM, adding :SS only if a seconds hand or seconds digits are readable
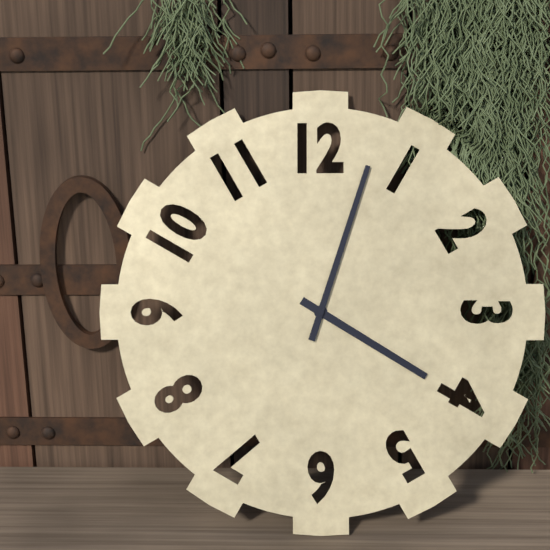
4:03
